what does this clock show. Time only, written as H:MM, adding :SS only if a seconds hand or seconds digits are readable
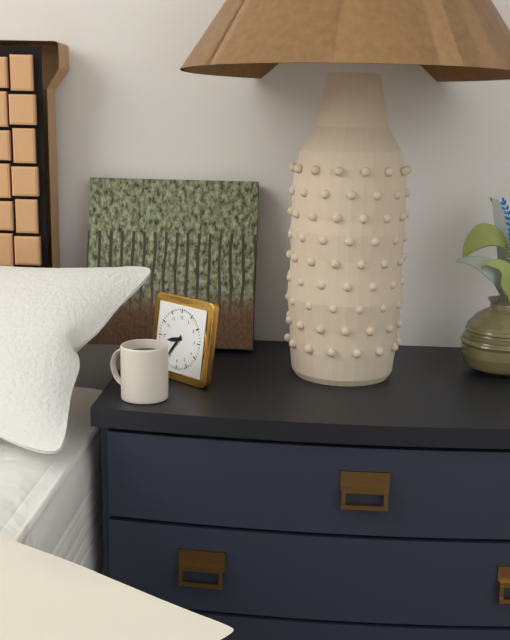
8:36
